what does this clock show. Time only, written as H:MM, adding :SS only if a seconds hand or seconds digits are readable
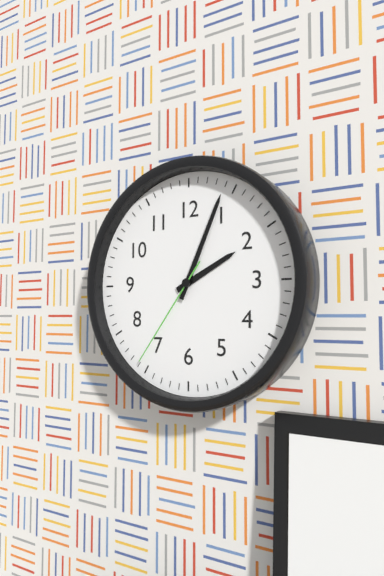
2:04:36
